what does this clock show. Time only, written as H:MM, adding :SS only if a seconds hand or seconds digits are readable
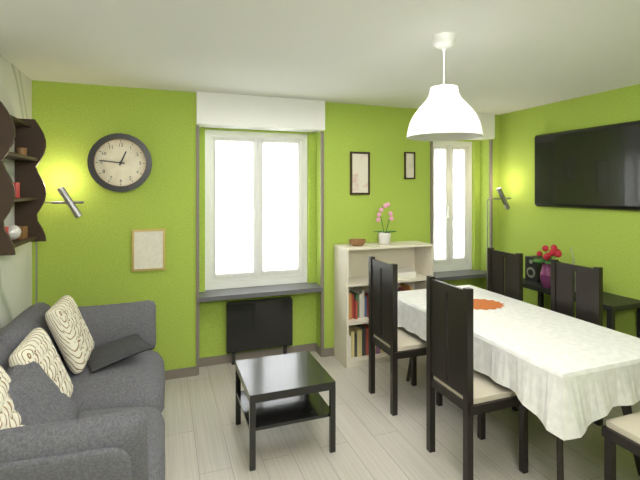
12:46
